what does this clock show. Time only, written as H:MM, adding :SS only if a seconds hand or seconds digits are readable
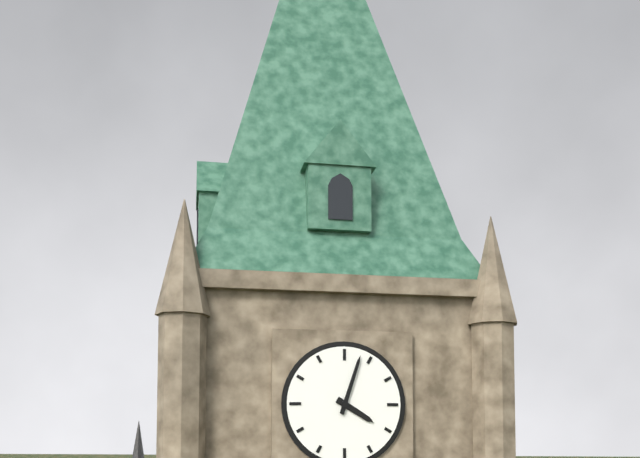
4:03
